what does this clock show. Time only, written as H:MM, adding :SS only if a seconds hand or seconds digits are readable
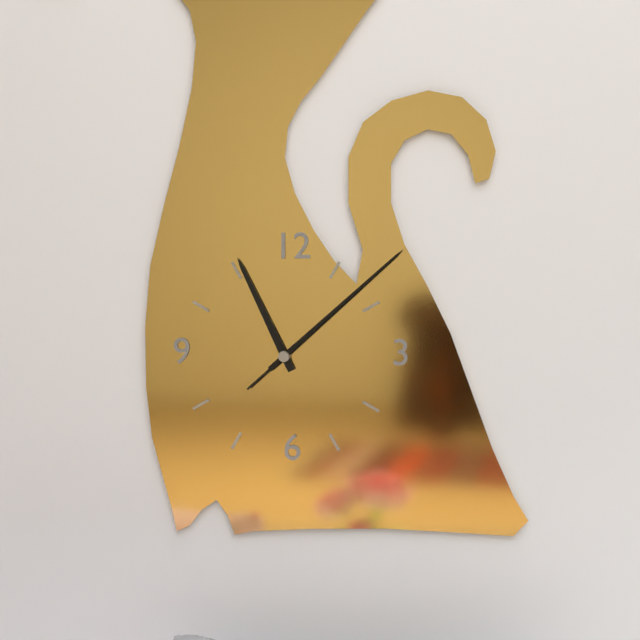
11:08:08
